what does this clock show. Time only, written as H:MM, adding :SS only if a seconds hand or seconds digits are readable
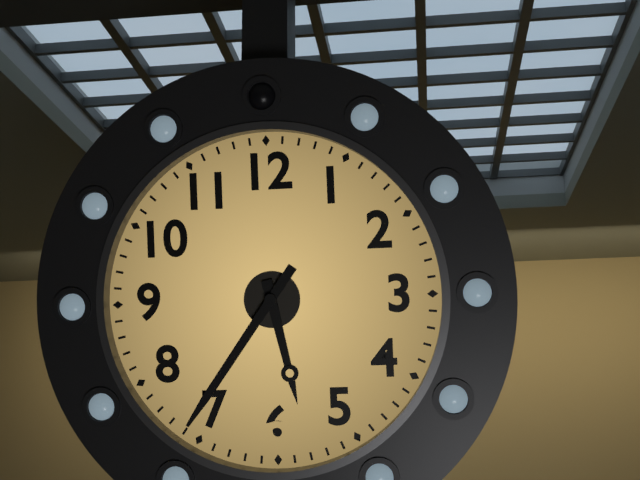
5:36
